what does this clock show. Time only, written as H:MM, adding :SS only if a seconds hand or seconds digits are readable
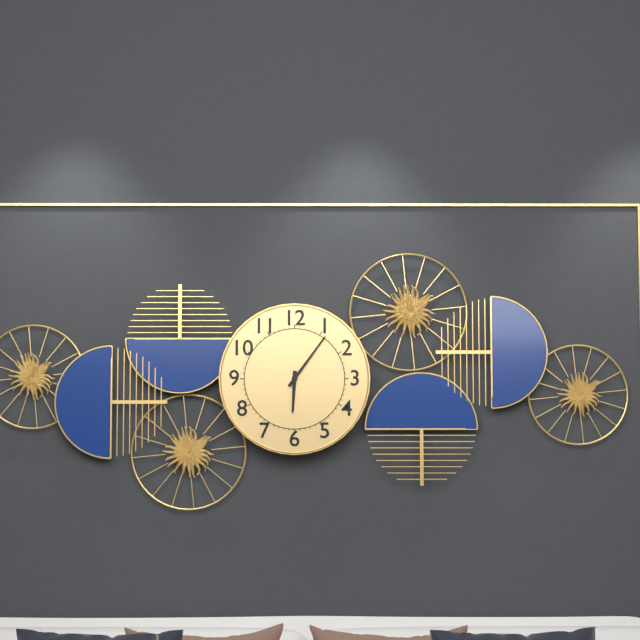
6:06
